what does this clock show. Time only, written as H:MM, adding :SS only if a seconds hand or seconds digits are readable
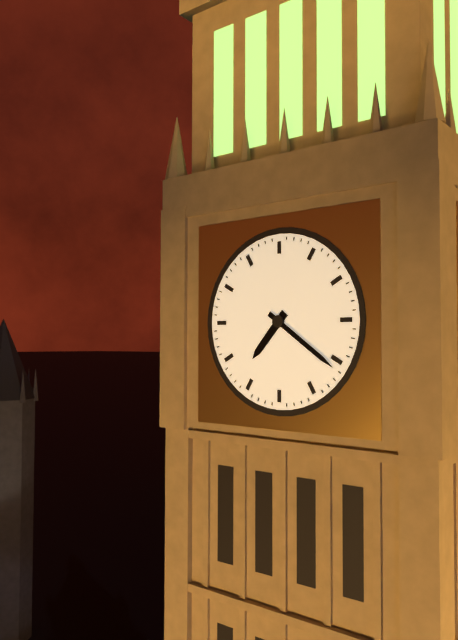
7:21
